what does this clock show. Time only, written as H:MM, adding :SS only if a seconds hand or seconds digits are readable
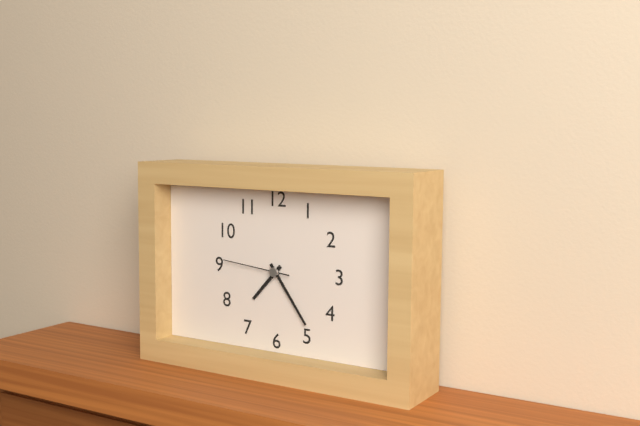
7:24:46
